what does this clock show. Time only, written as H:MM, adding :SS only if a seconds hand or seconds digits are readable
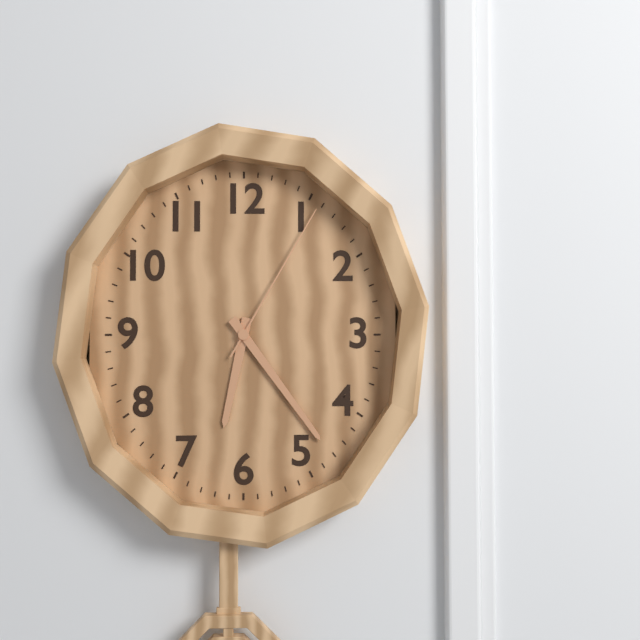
6:24:05
